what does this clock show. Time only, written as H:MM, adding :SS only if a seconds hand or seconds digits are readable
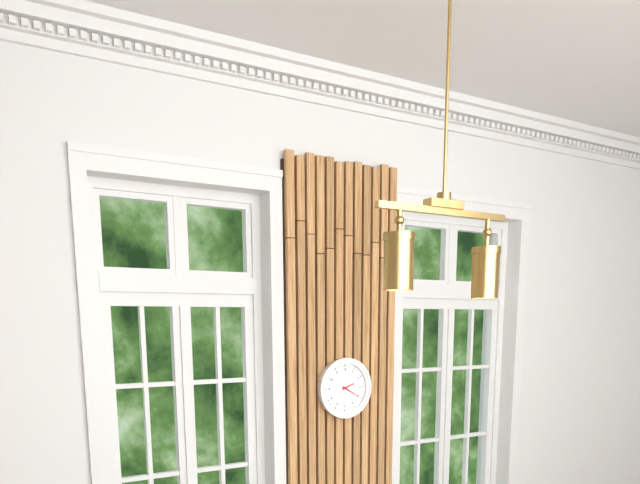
2:20
